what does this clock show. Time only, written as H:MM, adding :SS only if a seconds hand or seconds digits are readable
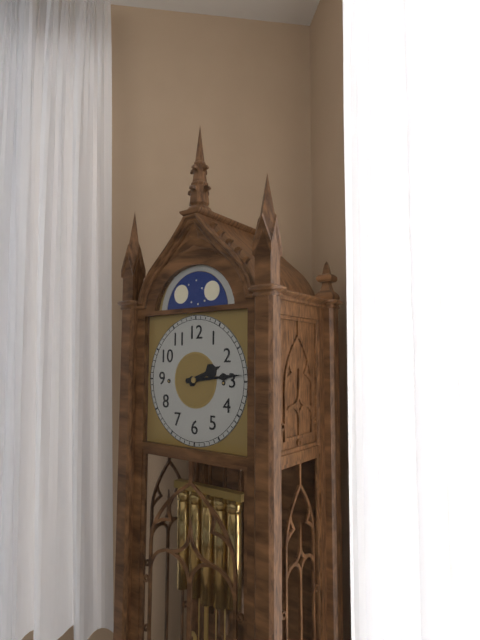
2:14
